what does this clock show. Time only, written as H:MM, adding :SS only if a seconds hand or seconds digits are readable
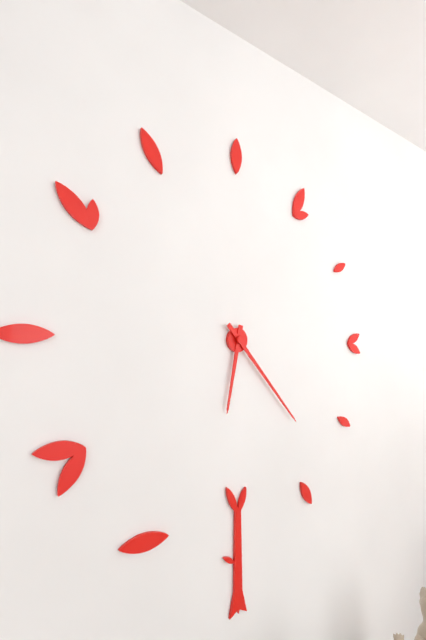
6:23
